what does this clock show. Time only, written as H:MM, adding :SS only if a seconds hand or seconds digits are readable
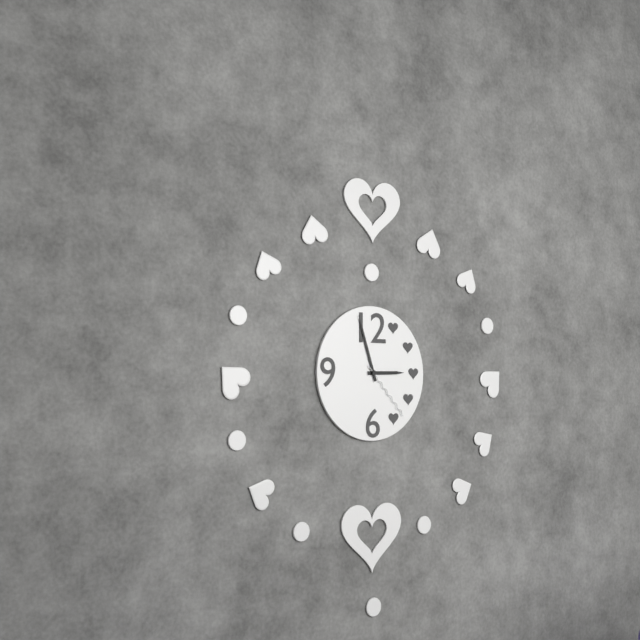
2:57:23
